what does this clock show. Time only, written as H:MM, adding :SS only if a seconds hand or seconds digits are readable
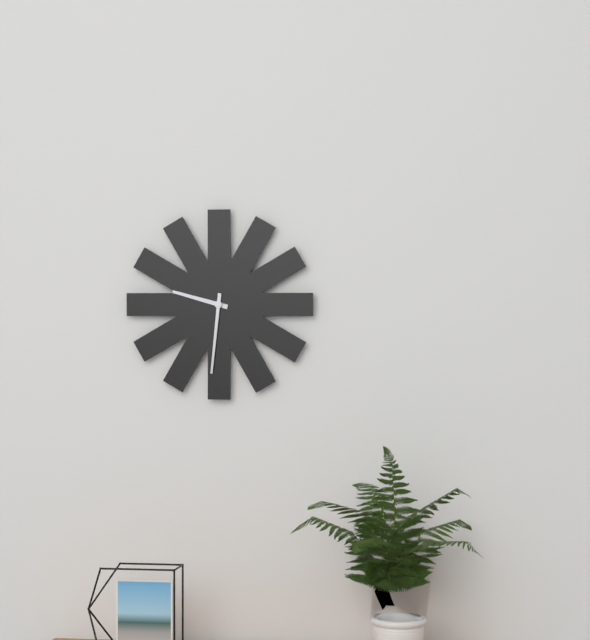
9:31
